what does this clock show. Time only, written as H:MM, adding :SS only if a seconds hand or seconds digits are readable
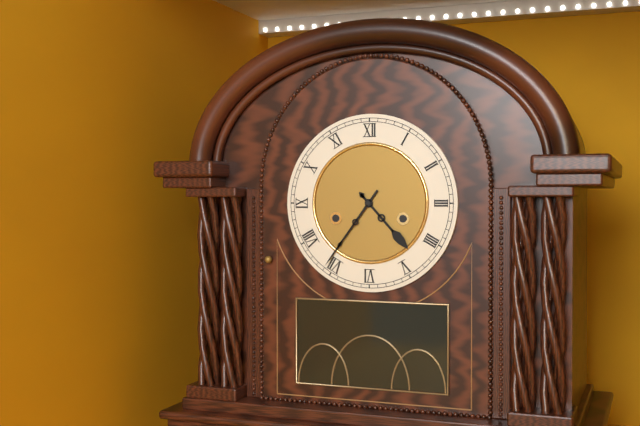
4:36
